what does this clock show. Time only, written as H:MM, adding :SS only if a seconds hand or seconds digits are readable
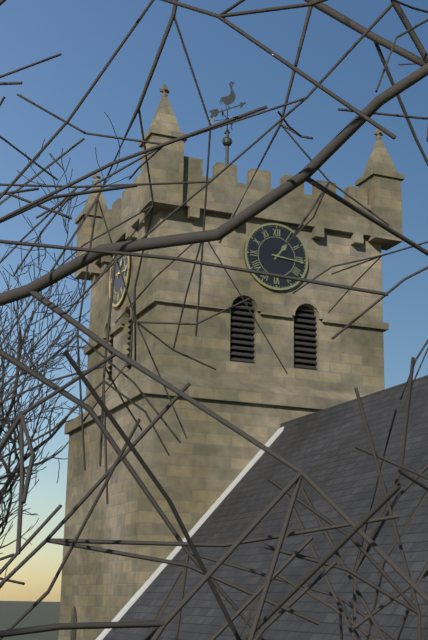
1:16
